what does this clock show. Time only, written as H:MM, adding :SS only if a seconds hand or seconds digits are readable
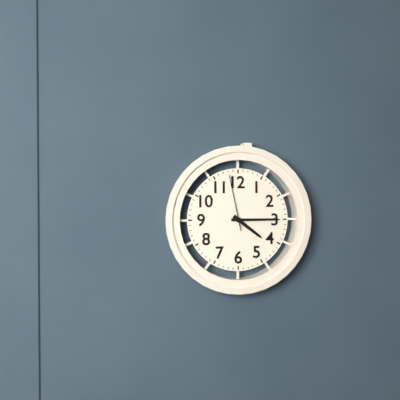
4:15:58
